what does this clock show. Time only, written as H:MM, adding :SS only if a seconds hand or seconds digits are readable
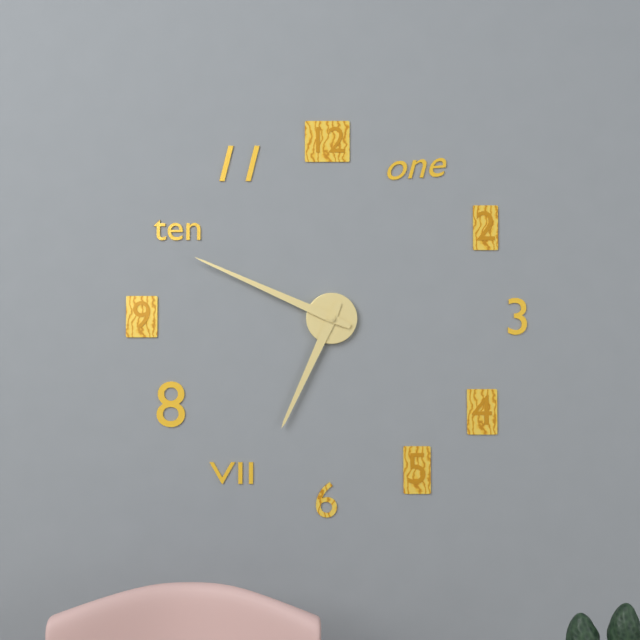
6:49
